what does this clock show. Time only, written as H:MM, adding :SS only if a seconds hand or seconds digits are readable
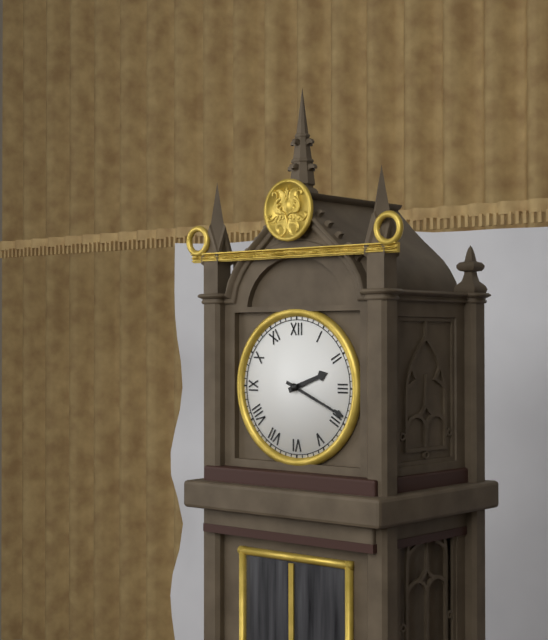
2:19
